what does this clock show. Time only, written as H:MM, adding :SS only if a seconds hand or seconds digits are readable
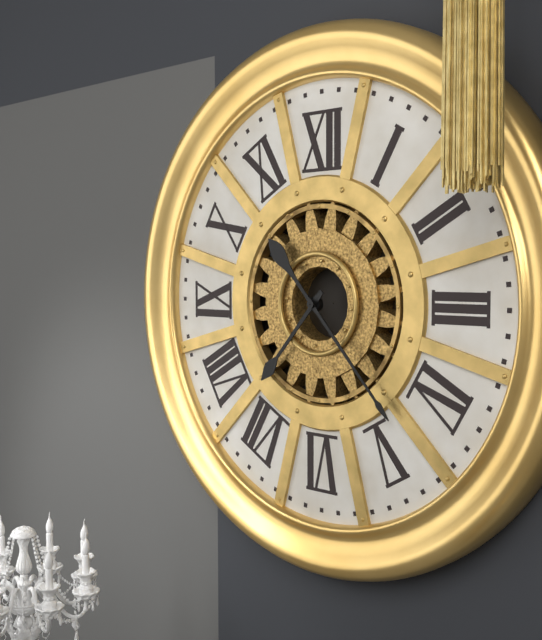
7:23
